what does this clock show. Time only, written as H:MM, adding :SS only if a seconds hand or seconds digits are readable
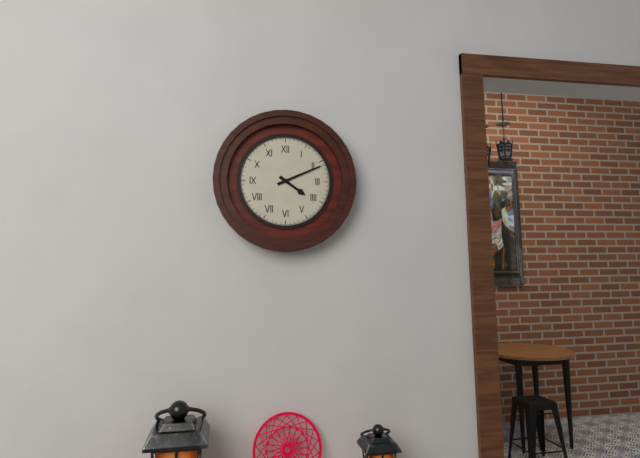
4:11
